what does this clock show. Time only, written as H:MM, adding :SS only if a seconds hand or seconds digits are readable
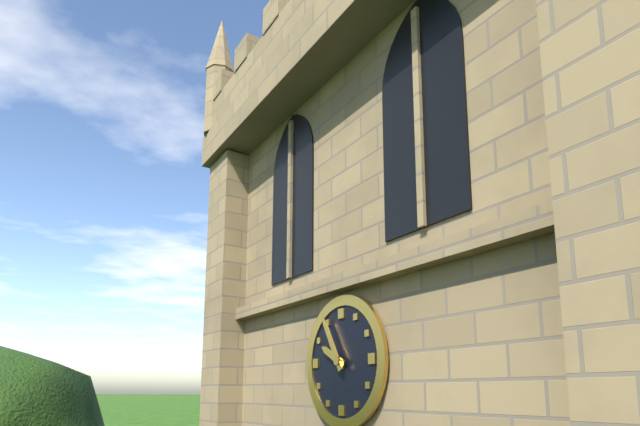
9:55
